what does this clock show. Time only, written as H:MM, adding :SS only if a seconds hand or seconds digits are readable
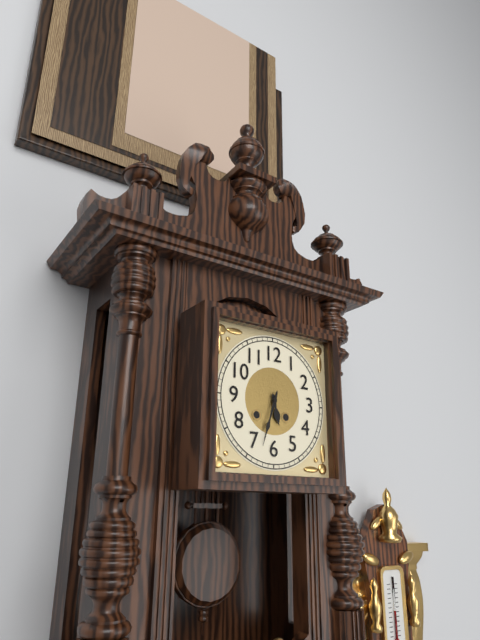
5:33
